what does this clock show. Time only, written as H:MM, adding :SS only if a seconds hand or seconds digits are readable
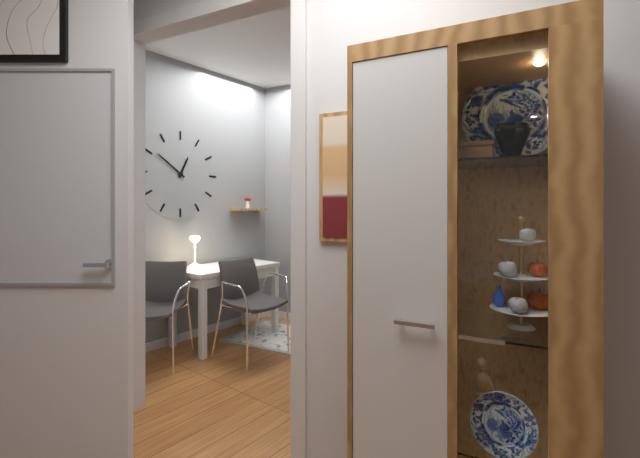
12:51
